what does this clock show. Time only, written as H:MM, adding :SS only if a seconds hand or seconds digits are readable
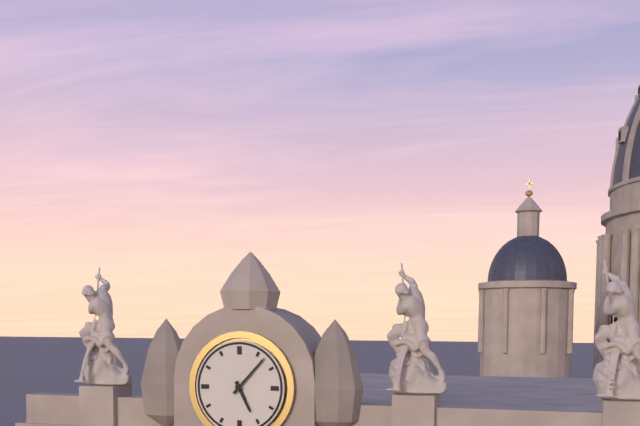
5:07
